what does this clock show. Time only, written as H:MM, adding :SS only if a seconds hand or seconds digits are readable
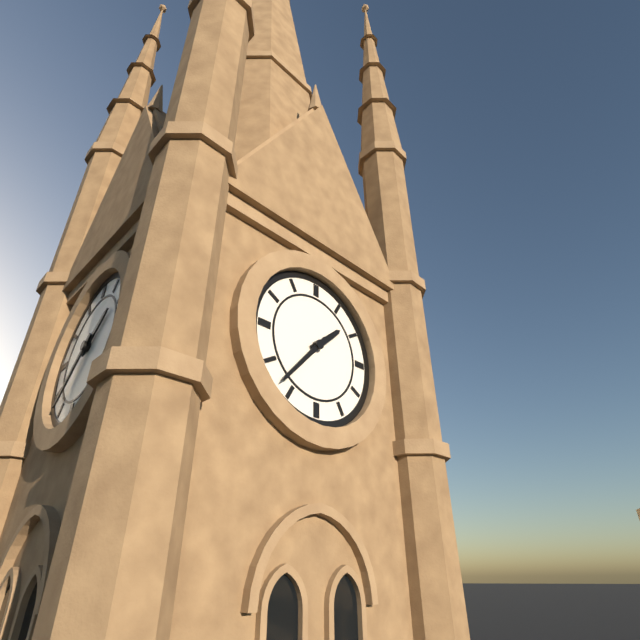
1:37
